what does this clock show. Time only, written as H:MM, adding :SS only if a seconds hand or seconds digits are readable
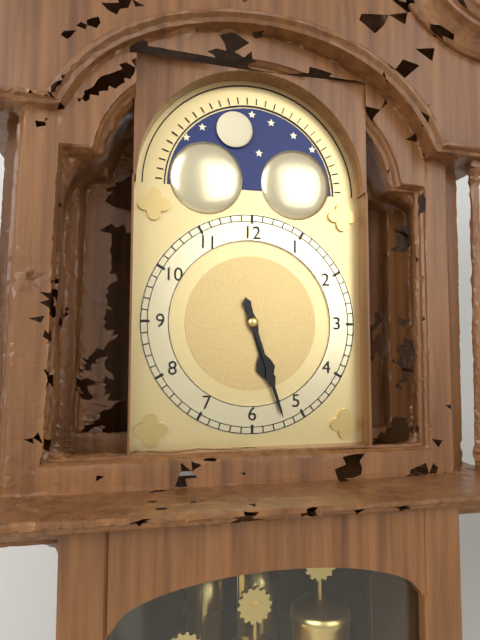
5:27
